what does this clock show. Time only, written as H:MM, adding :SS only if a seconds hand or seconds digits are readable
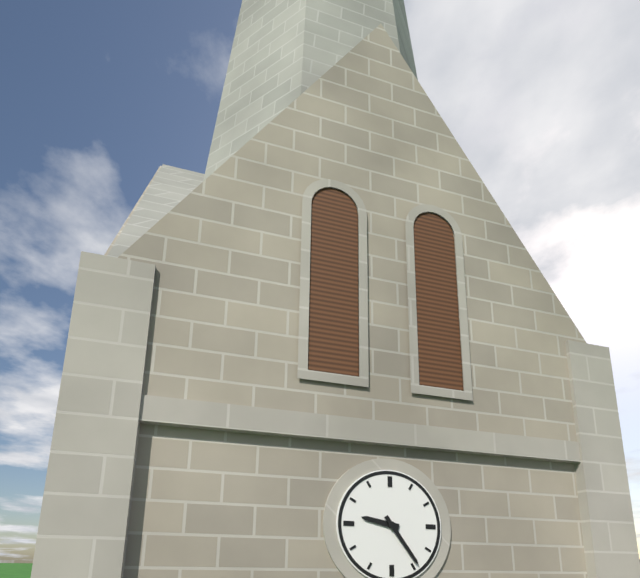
9:24
